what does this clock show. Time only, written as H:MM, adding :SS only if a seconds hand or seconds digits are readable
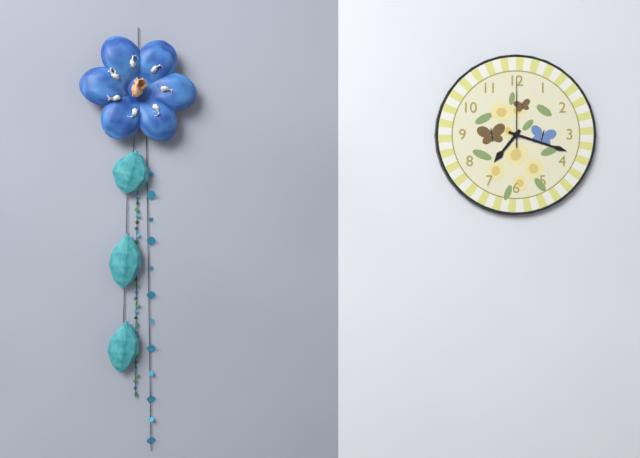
7:18:00
